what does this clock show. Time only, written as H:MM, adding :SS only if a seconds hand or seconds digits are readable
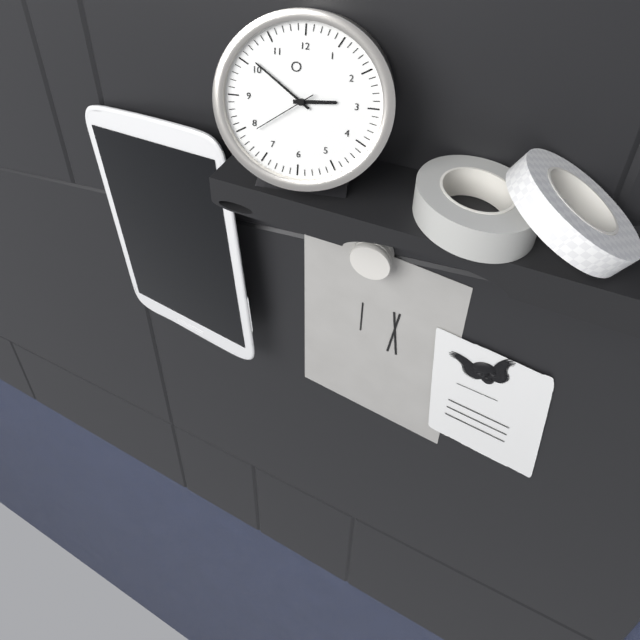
2:51:39
